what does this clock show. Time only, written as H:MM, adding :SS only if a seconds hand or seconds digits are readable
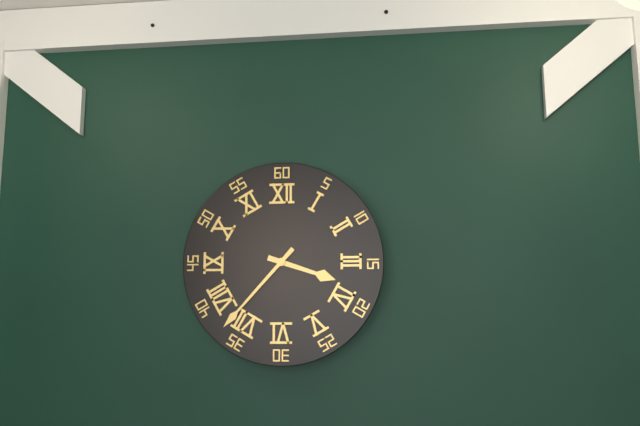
3:37
